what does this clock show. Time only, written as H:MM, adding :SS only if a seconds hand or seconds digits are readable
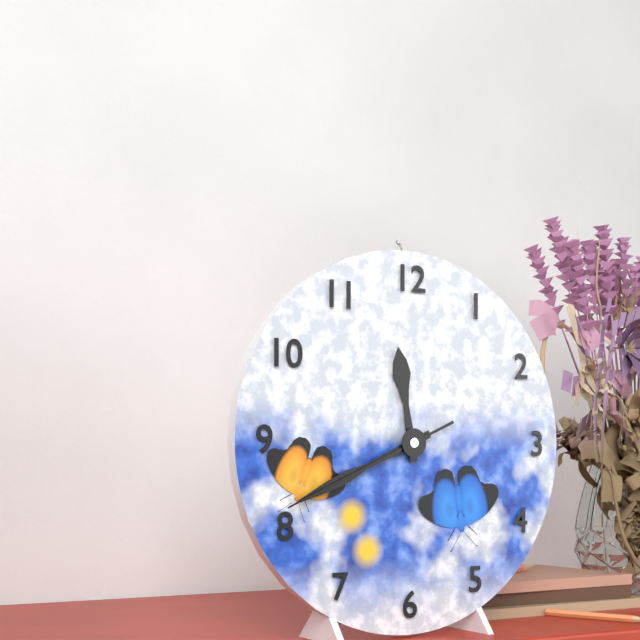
11:41:41
